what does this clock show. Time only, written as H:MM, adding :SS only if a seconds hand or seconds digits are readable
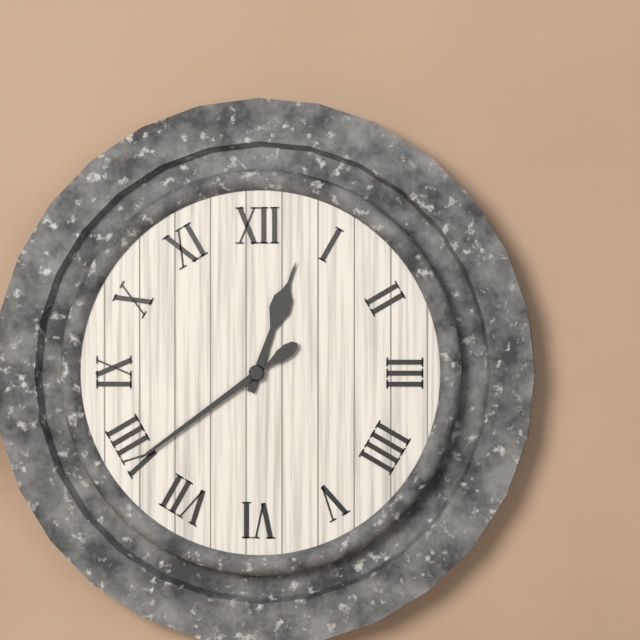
12:39
